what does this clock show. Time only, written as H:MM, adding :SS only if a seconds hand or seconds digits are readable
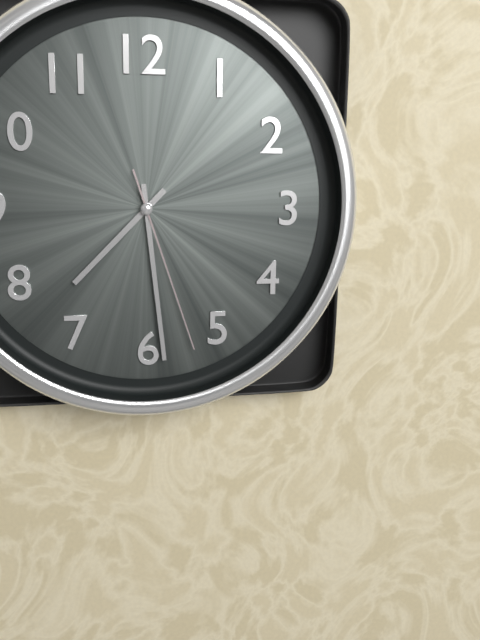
7:29:27
